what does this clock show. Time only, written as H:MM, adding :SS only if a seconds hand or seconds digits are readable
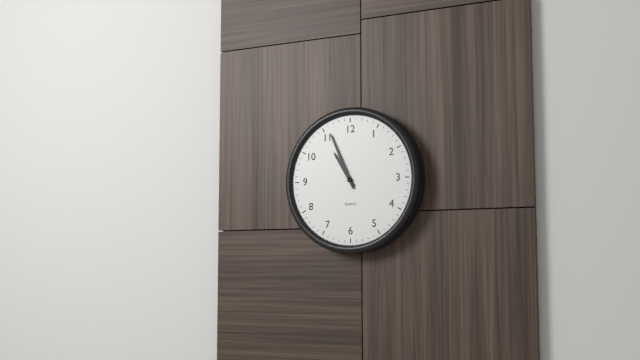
10:56
